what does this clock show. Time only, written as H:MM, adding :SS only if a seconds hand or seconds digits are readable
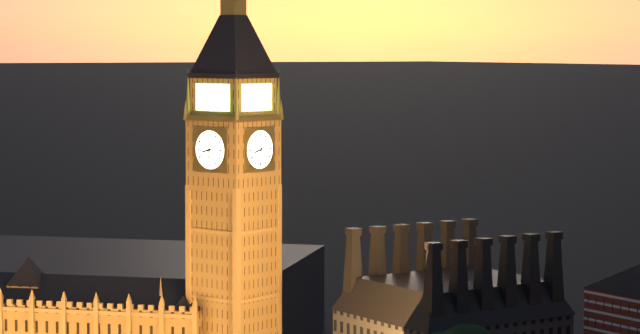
8:31
